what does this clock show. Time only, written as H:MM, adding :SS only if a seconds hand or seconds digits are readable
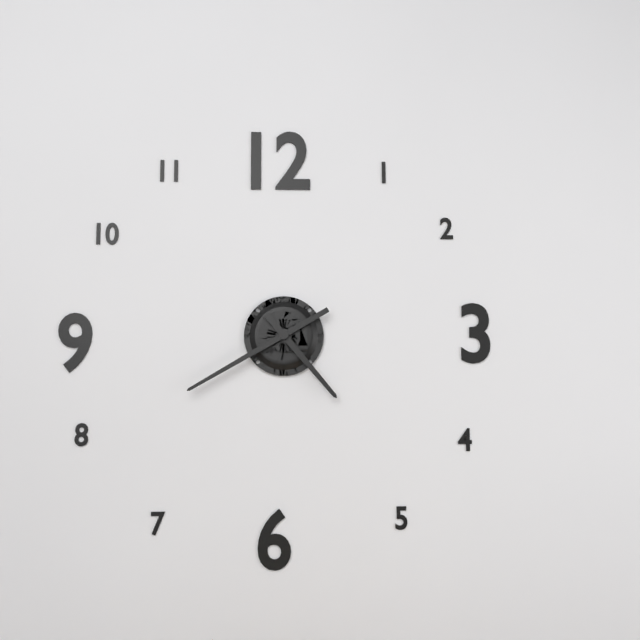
4:40
